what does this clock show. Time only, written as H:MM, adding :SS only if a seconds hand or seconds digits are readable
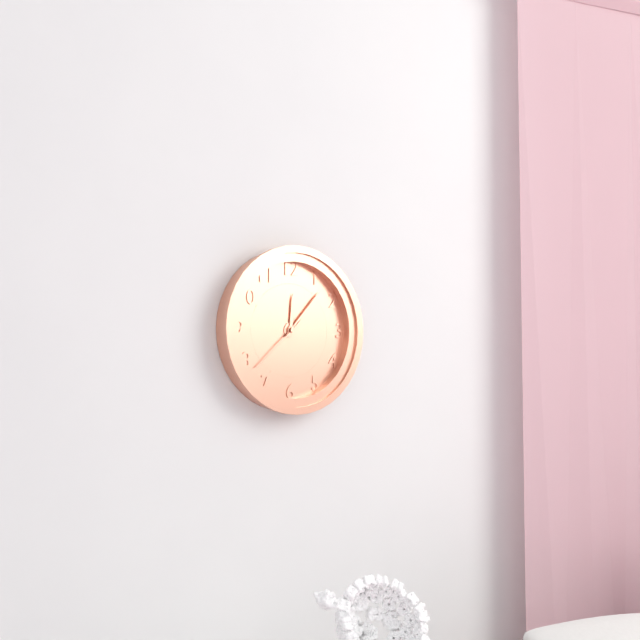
12:07:38
